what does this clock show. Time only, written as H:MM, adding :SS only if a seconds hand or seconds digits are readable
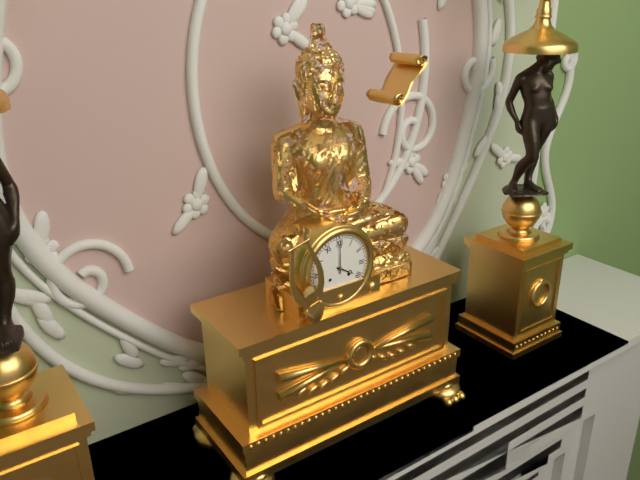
4:00
